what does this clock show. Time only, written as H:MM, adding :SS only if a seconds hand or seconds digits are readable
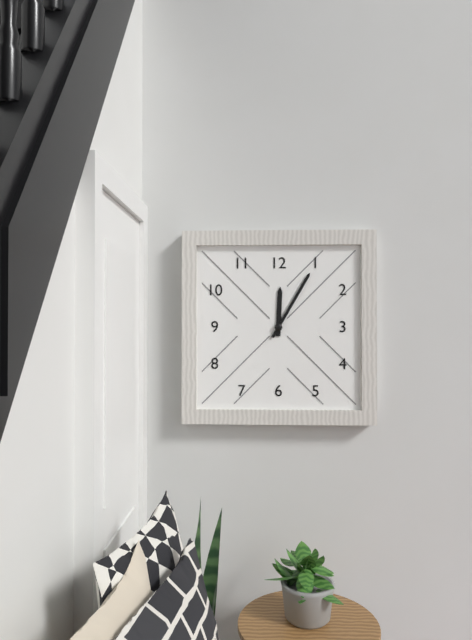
12:05
